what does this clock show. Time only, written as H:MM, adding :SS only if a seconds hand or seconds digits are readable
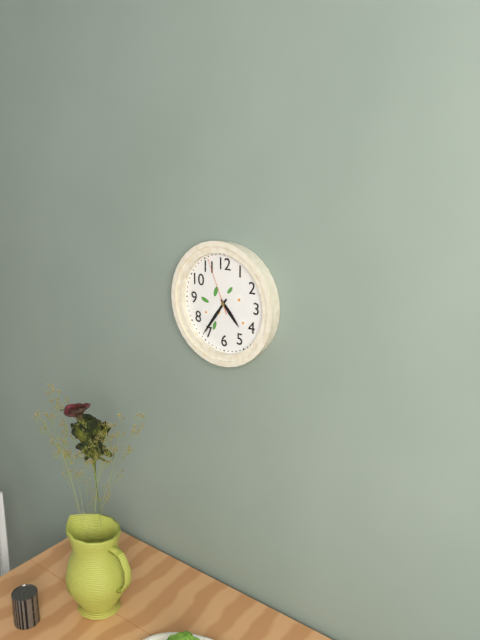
4:36:56
